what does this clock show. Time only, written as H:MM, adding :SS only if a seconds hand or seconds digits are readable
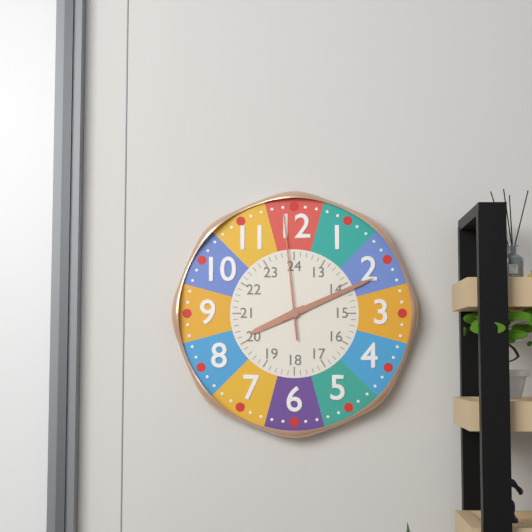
8:11:59
